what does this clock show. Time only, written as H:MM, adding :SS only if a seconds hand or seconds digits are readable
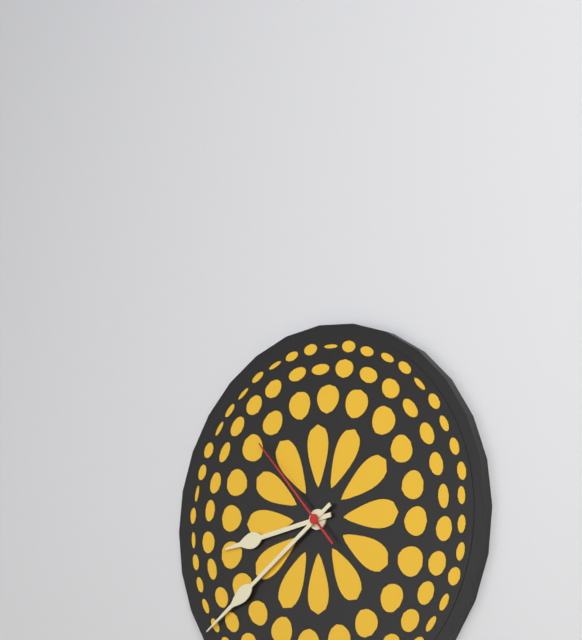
8:39:53
